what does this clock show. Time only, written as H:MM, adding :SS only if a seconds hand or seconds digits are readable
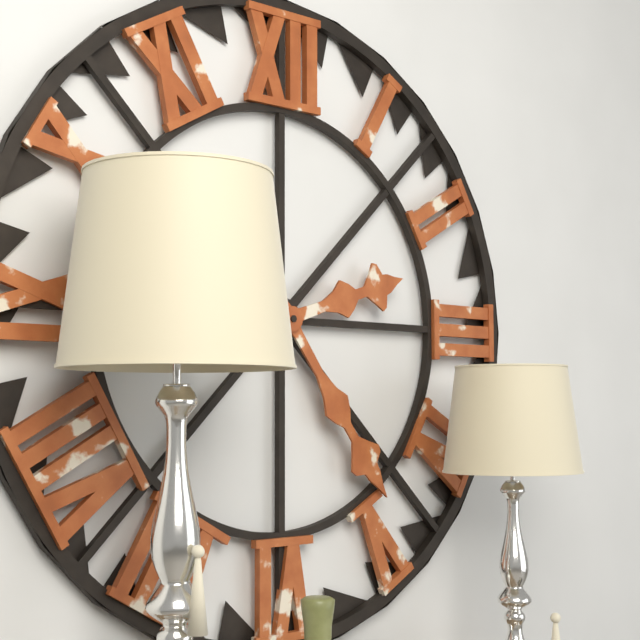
2:24
